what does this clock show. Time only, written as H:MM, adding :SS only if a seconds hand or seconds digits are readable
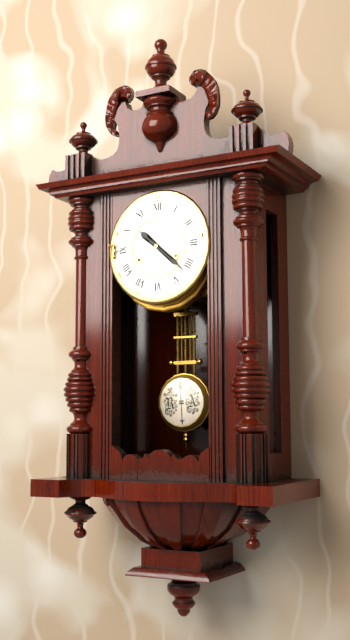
10:22
